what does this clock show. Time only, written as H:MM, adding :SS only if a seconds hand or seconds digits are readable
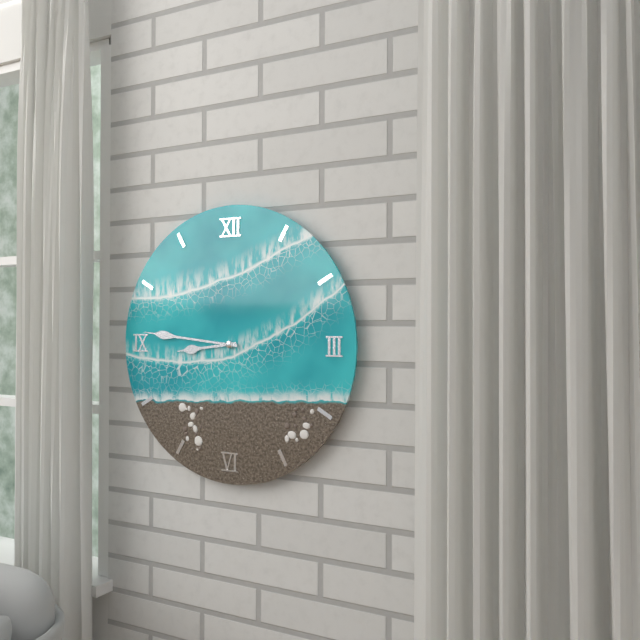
8:46
